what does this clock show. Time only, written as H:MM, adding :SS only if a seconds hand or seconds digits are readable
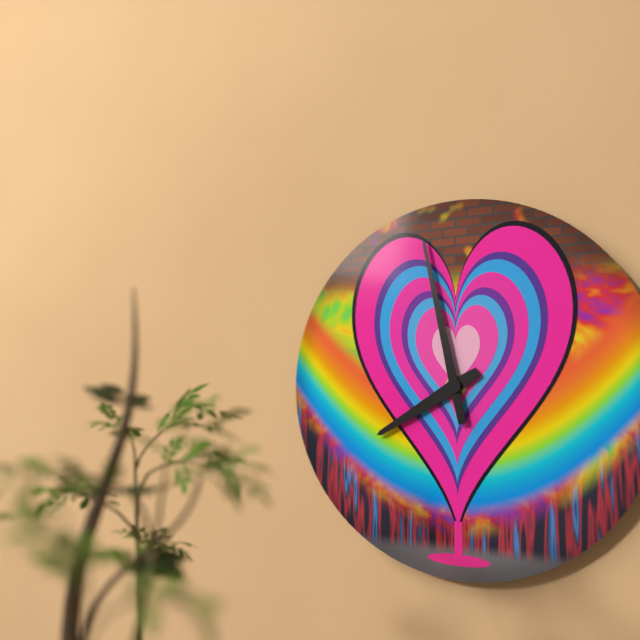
7:58
